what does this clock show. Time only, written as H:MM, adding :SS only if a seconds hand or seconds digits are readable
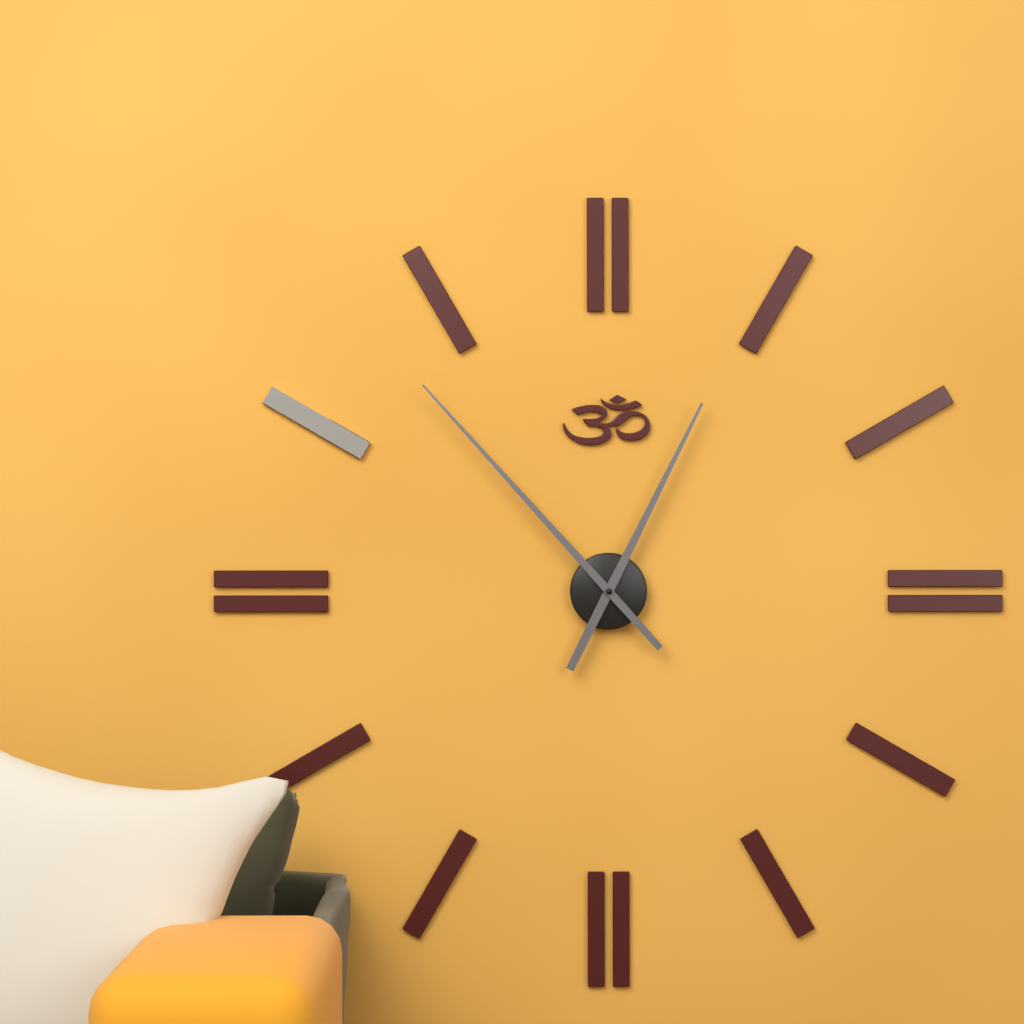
12:53
